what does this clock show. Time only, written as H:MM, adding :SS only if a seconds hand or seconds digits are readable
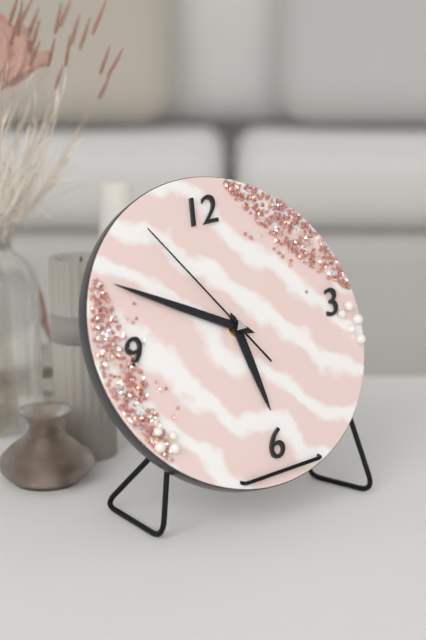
5:50:55
